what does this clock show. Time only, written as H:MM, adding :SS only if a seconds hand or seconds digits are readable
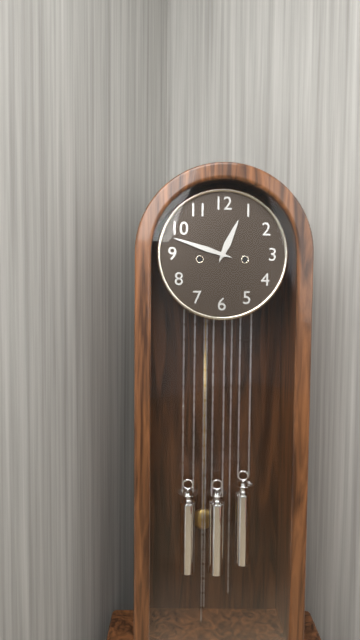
12:48
